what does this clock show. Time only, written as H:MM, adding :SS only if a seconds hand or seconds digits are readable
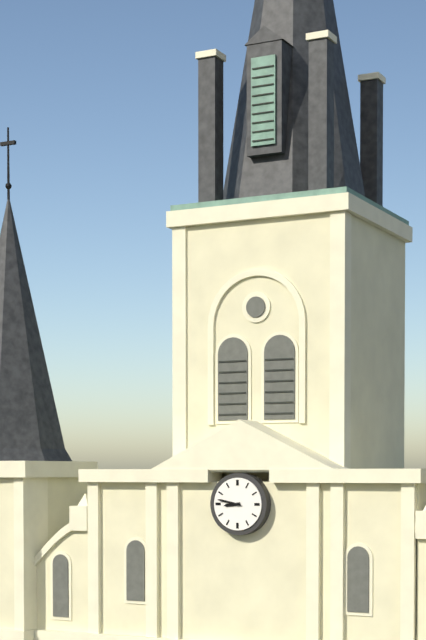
8:47
